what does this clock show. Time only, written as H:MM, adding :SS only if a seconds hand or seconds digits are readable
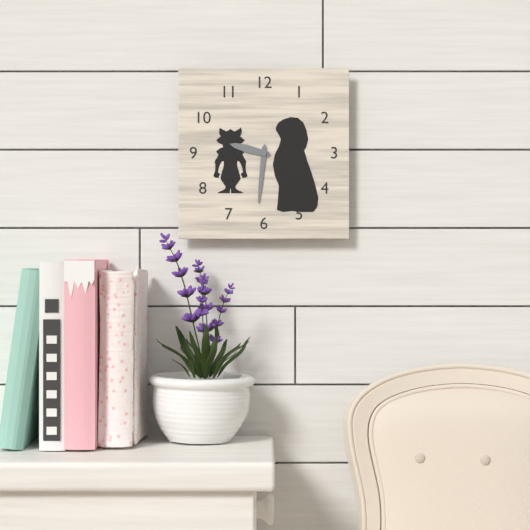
9:31
